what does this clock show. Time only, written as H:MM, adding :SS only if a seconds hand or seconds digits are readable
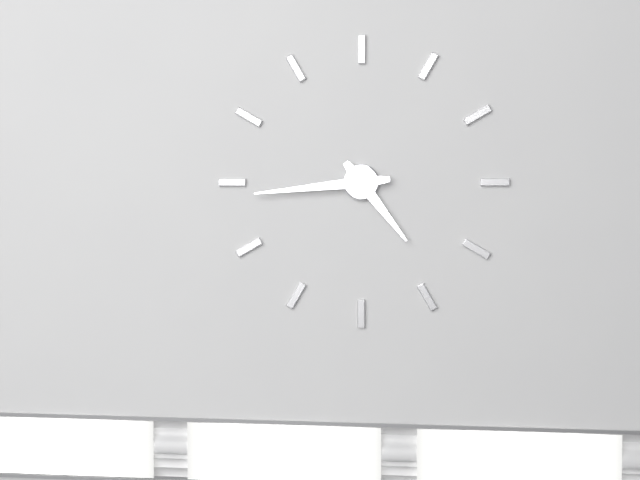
4:44
